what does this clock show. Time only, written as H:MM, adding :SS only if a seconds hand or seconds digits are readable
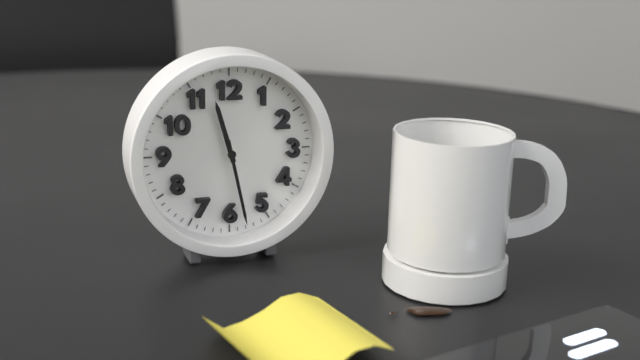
11:28
